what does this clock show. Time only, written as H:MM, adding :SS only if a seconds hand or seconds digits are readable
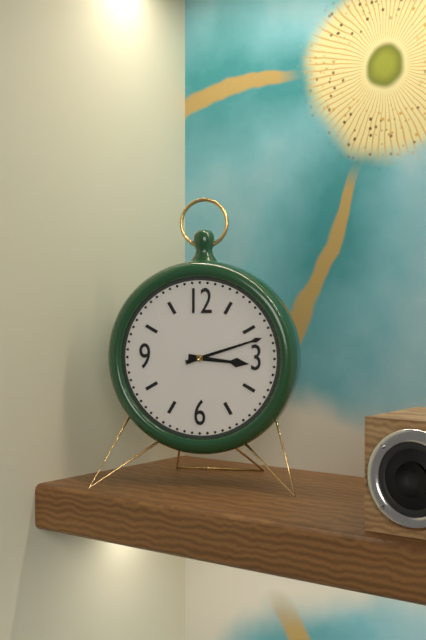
3:12
